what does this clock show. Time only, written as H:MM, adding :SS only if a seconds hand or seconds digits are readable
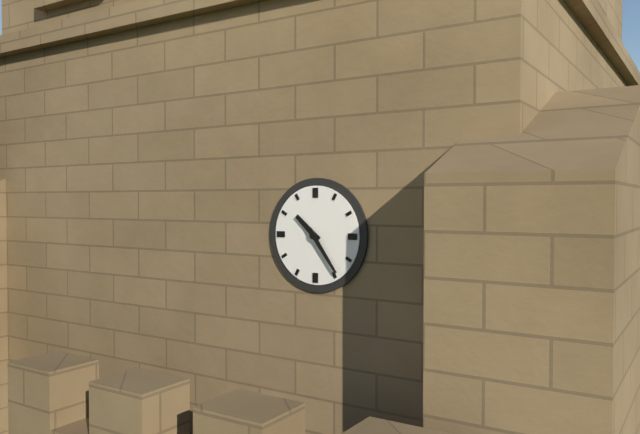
10:24
